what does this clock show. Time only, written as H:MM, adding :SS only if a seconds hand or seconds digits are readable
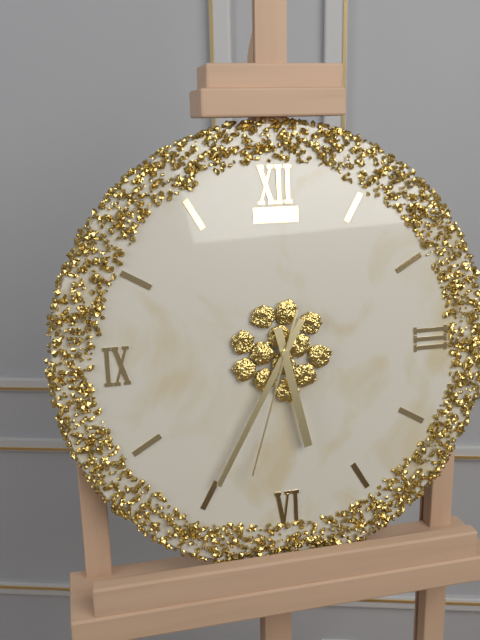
5:35:33
